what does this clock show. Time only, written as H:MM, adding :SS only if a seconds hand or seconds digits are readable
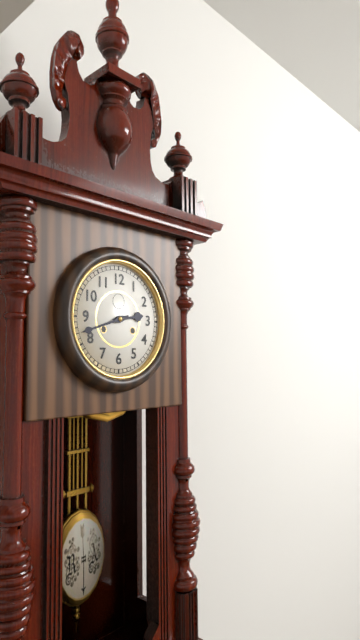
2:42
